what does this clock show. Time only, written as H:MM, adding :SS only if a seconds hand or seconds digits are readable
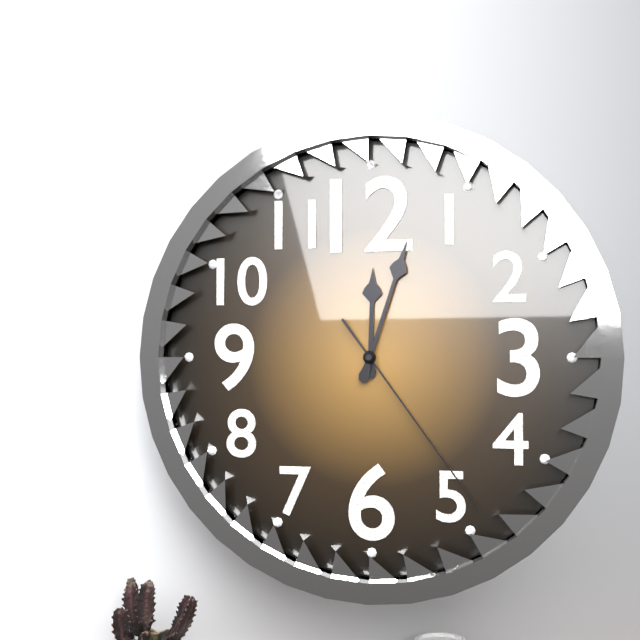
12:03:24
